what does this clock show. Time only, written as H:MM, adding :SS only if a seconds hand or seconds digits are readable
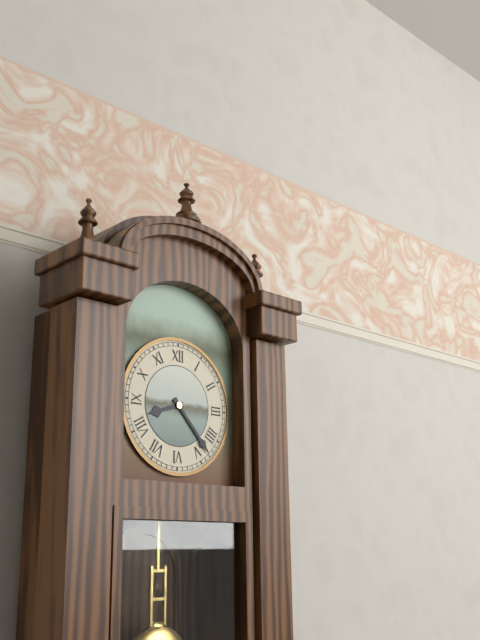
8:23
